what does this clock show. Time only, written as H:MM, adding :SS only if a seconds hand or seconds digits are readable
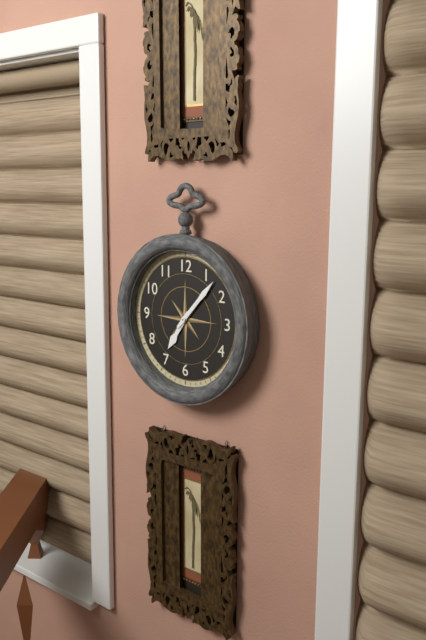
7:07
